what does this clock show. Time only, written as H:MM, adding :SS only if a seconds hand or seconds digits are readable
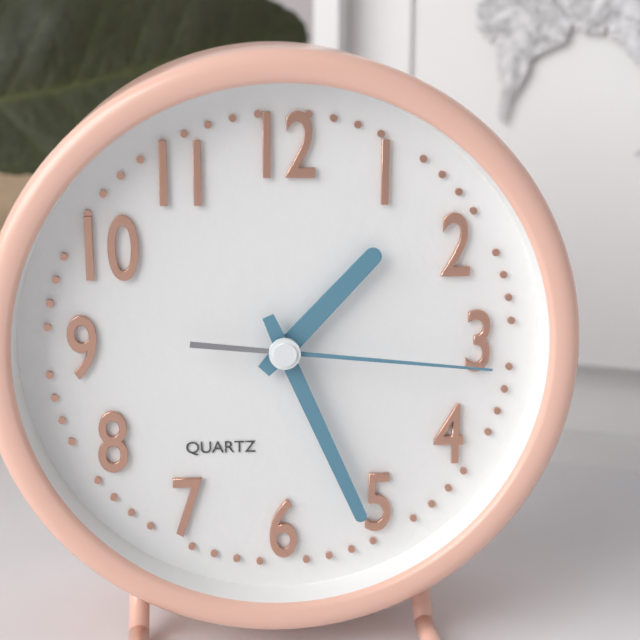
1:26:16
